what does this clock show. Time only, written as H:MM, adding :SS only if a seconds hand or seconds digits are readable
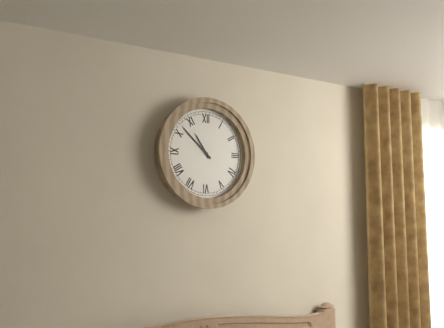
10:52
